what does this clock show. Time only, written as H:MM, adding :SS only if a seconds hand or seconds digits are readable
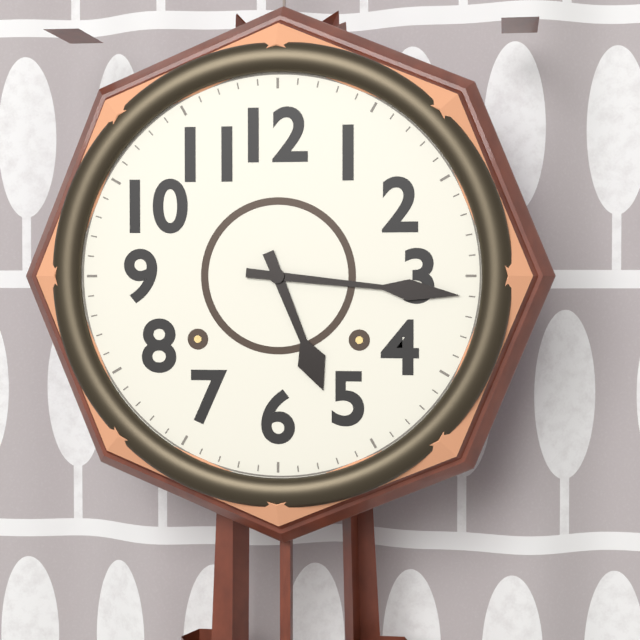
5:16
